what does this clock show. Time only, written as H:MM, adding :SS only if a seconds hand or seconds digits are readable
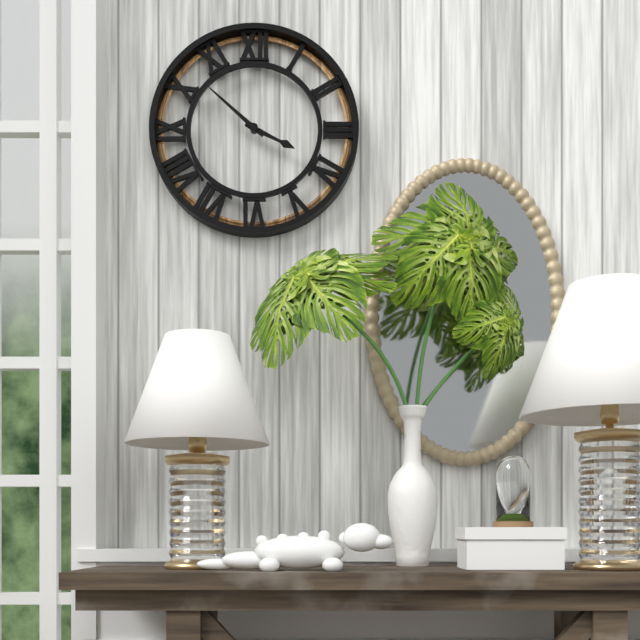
3:52
